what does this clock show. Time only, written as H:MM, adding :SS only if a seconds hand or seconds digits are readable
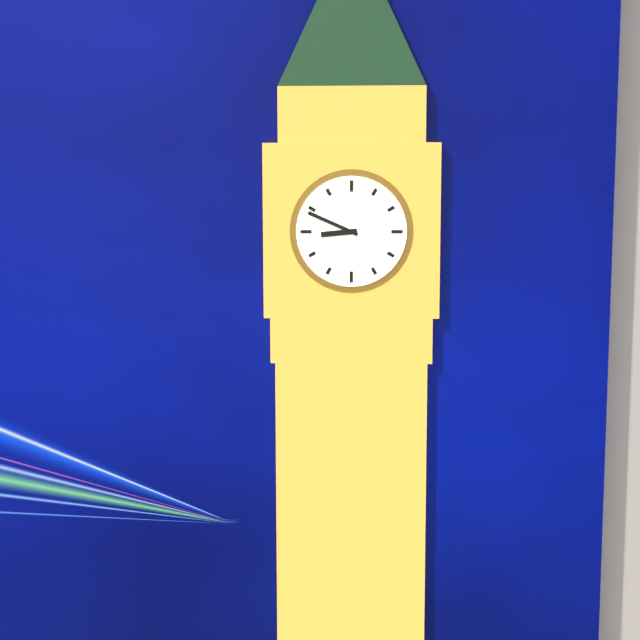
8:49
